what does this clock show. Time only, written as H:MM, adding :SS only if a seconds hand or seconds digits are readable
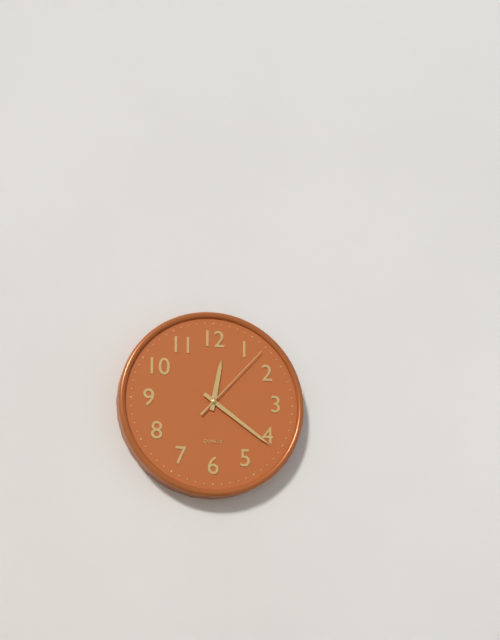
12:21:07
